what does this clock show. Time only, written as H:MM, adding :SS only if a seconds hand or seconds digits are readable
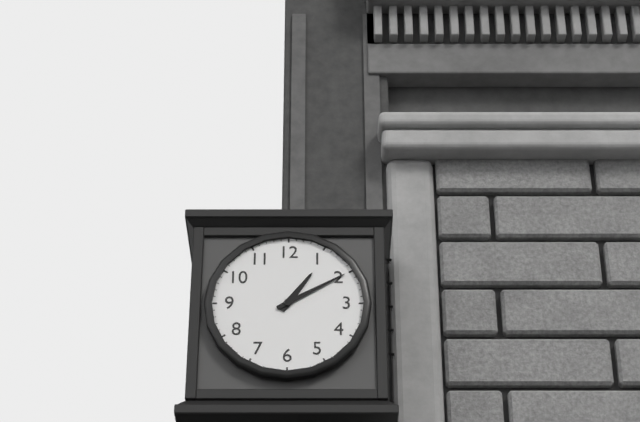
1:10
